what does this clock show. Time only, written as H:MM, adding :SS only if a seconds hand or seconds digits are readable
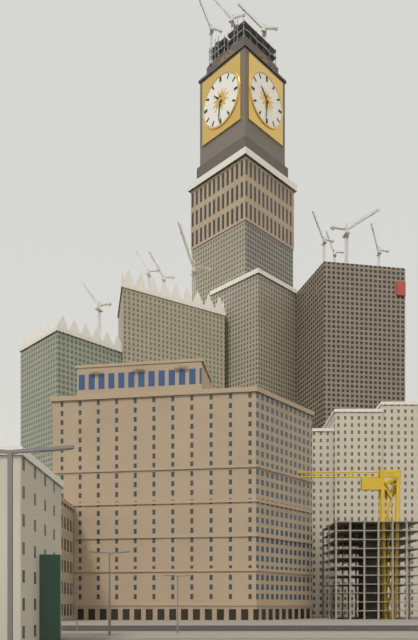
10:31
